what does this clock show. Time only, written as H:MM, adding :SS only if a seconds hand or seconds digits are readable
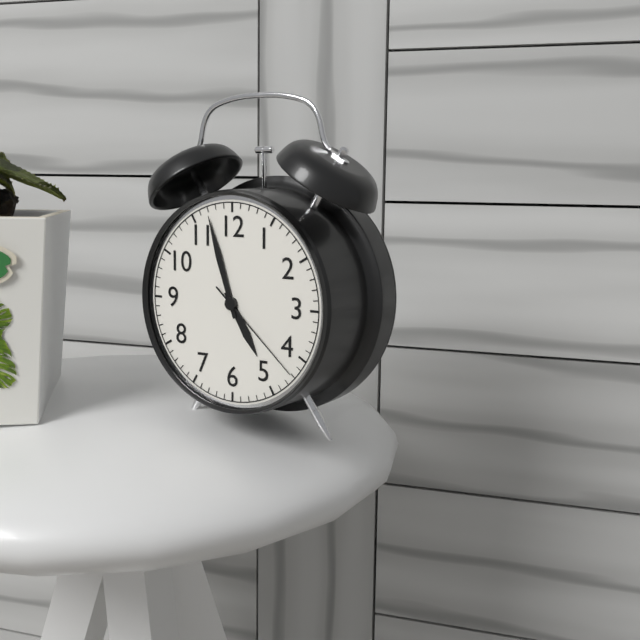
4:57:22
